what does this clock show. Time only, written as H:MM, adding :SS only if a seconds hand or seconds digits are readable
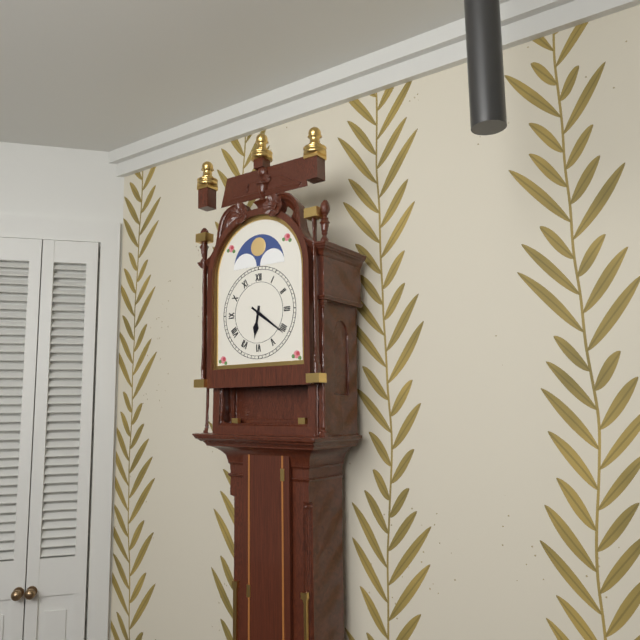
6:21
